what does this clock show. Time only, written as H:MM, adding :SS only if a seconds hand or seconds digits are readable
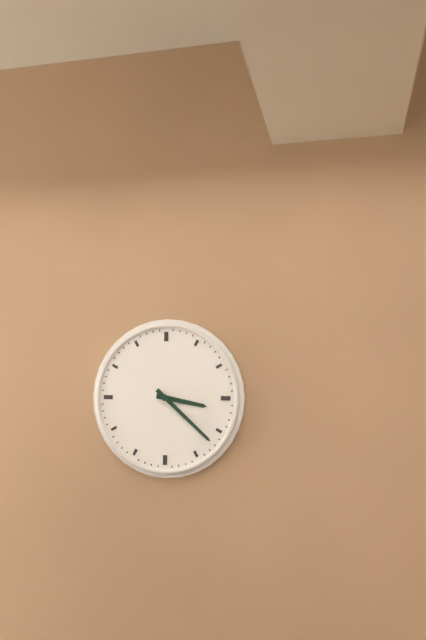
3:22
